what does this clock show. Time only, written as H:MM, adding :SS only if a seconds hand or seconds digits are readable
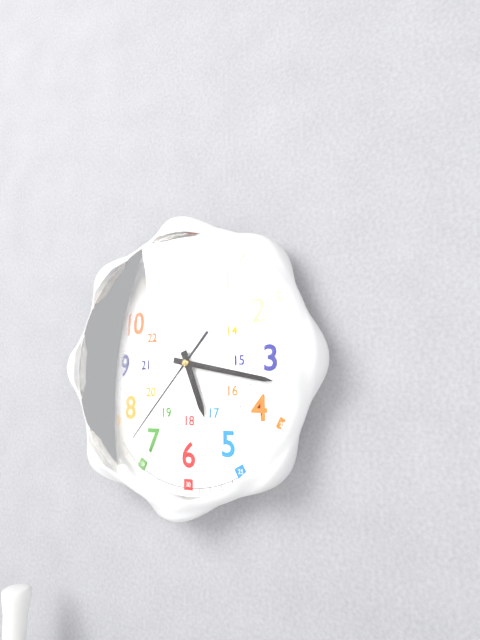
5:17:37
